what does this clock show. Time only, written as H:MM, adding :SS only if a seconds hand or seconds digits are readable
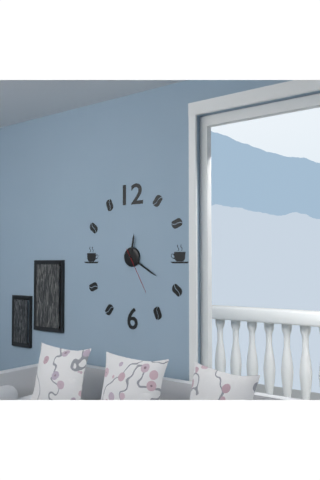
12:20
